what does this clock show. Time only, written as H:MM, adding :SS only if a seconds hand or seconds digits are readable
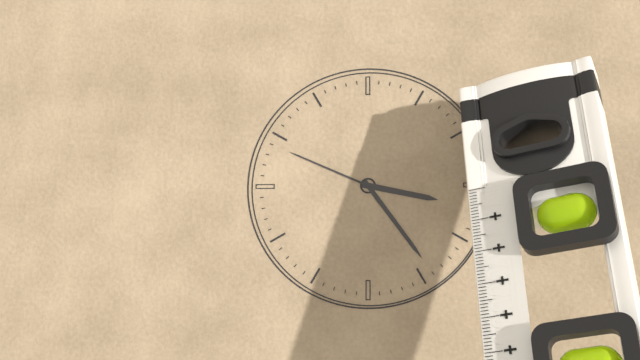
3:24:49
